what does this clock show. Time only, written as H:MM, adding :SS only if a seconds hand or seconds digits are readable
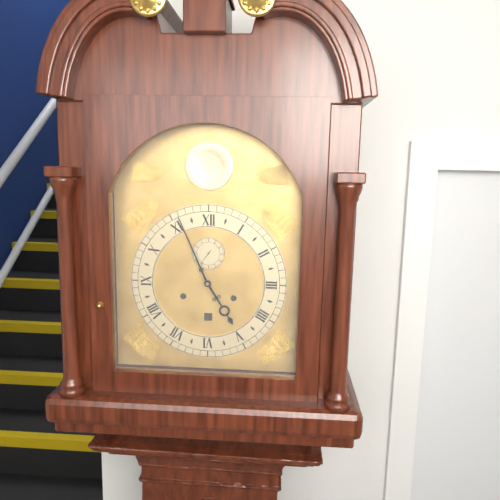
4:56
